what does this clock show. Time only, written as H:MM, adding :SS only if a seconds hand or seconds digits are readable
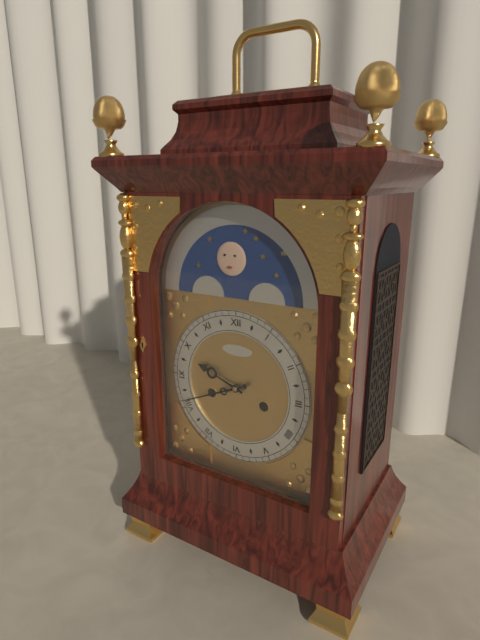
9:41
